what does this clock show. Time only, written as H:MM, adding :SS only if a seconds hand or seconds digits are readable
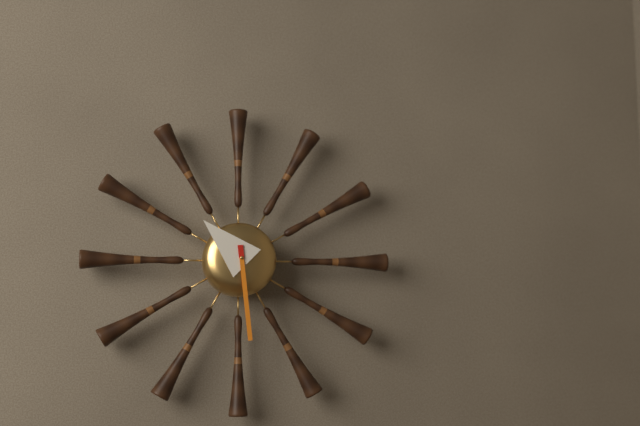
10:29
